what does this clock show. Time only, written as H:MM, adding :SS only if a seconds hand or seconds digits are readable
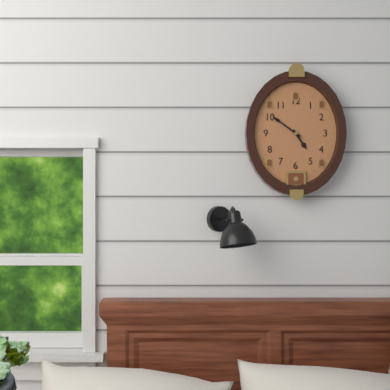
4:51
